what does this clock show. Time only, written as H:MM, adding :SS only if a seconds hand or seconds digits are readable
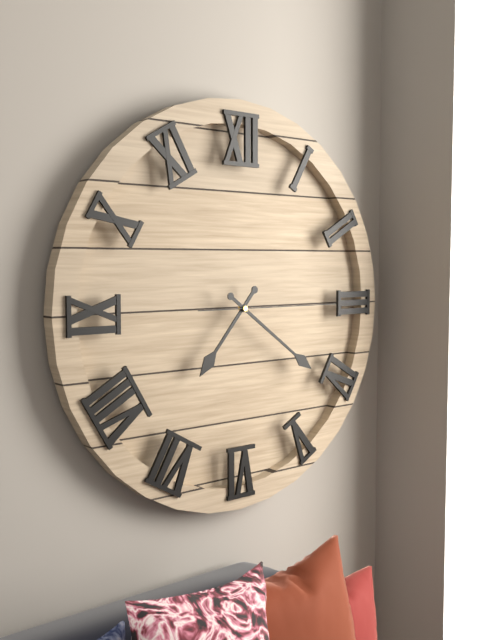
7:21:15
